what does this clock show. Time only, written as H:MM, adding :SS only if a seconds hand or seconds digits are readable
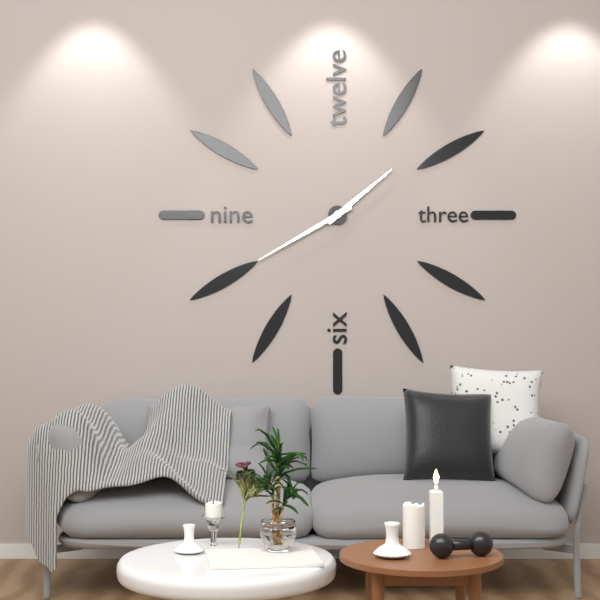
1:40
